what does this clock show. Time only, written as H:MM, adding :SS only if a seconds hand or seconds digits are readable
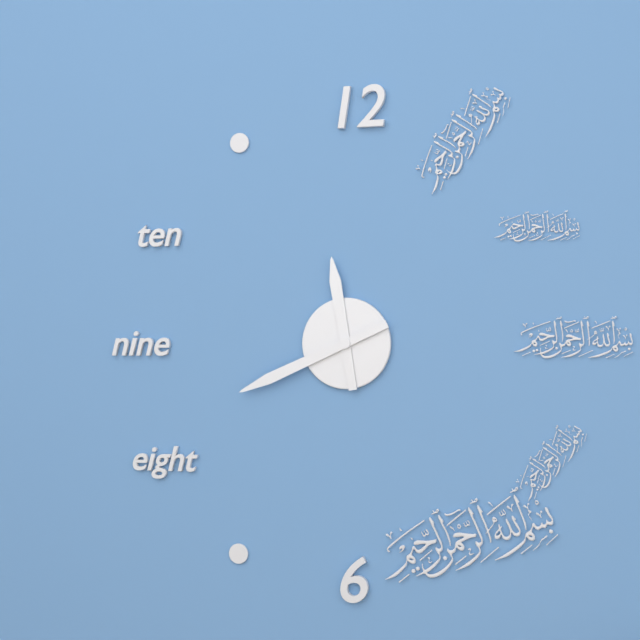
11:41
